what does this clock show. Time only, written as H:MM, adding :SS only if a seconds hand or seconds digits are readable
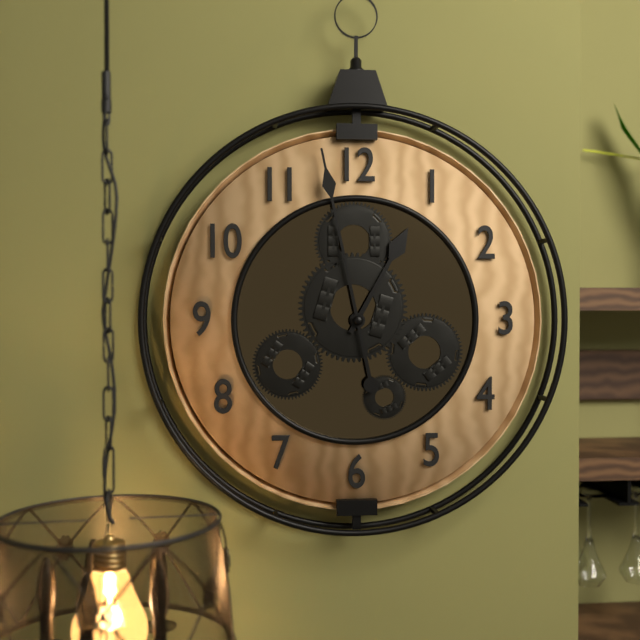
12:58
